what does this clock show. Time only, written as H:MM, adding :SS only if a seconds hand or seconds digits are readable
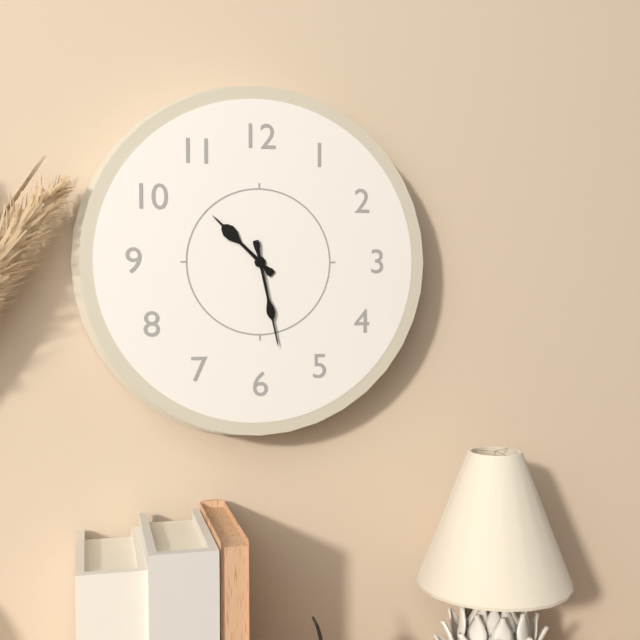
10:28
